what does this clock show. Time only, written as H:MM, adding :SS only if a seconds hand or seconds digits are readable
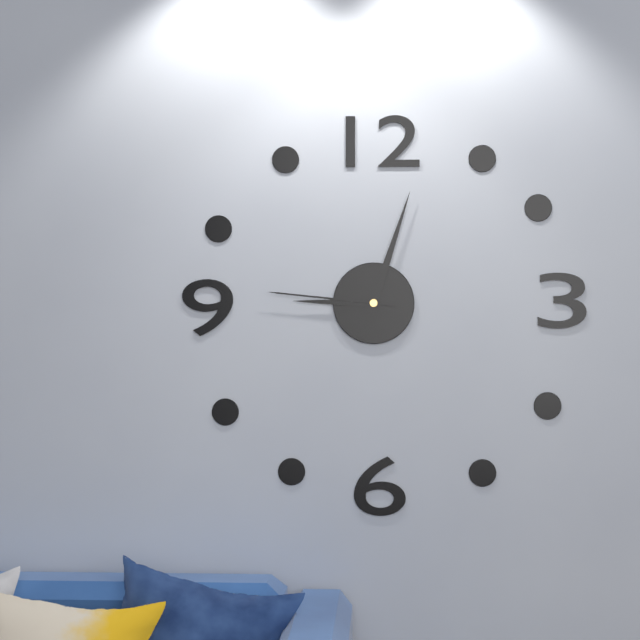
9:03:46
